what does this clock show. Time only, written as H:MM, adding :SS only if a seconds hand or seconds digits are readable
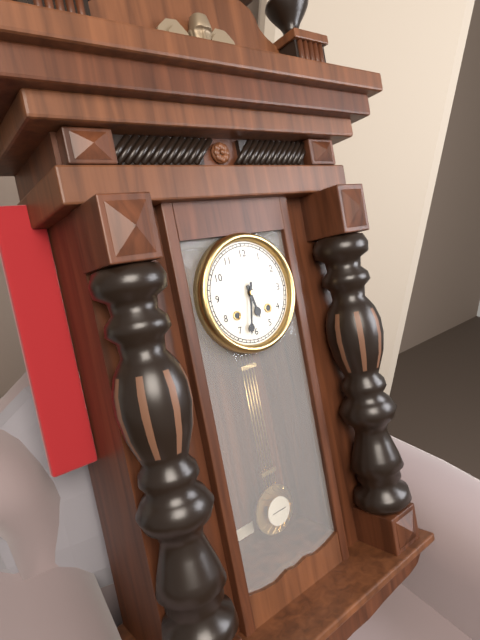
5:32
